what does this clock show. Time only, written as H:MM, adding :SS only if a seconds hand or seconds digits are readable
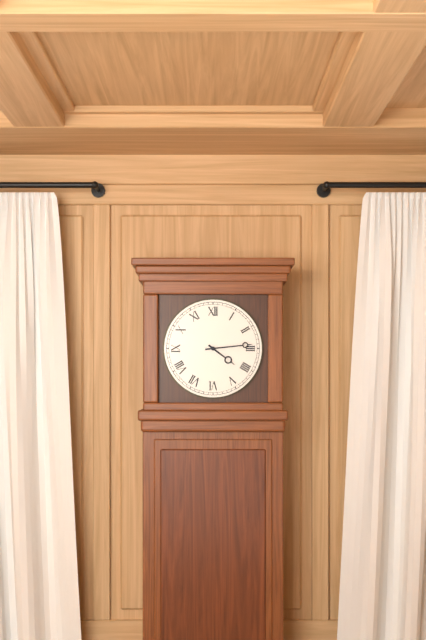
4:14
